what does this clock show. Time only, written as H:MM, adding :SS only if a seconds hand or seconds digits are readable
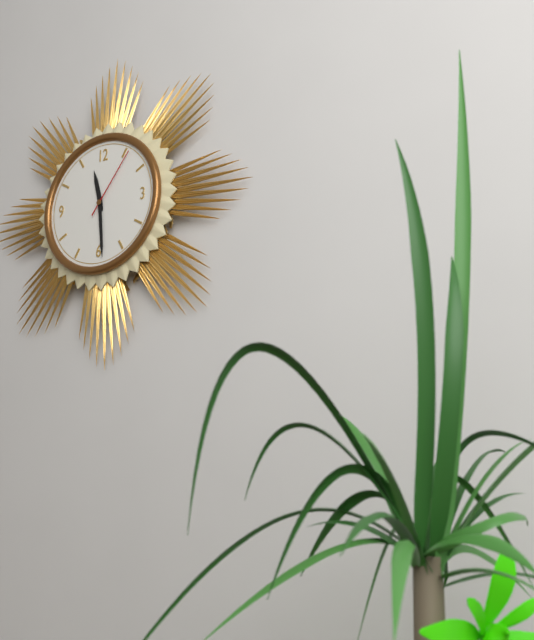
11:29:06
